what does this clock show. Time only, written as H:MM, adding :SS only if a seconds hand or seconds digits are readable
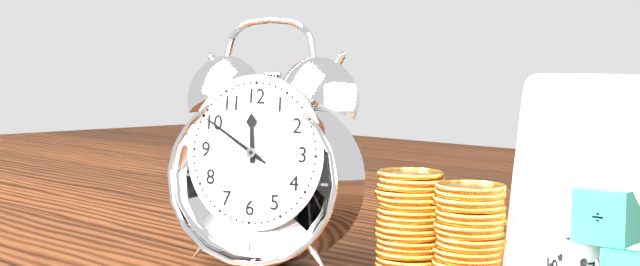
11:50:50
